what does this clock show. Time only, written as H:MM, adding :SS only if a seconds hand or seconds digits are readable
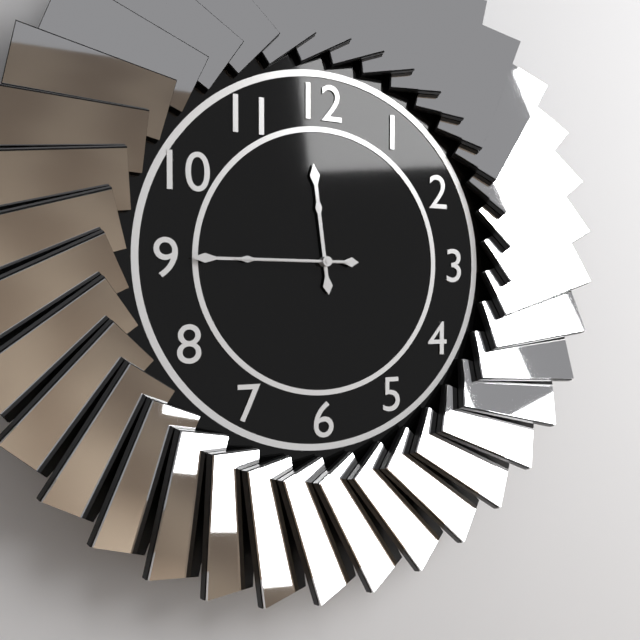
11:45:45
